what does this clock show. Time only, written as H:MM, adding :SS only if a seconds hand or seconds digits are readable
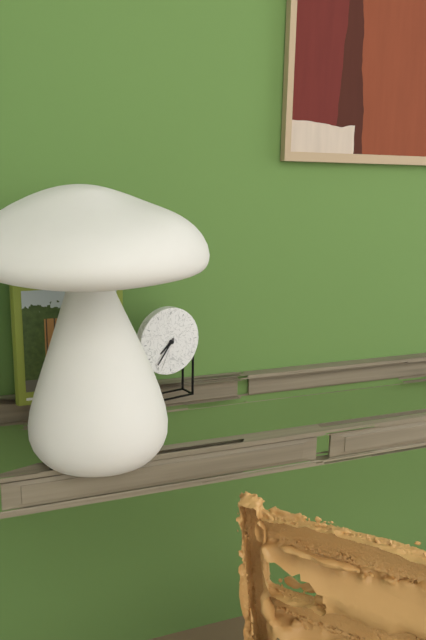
7:36
